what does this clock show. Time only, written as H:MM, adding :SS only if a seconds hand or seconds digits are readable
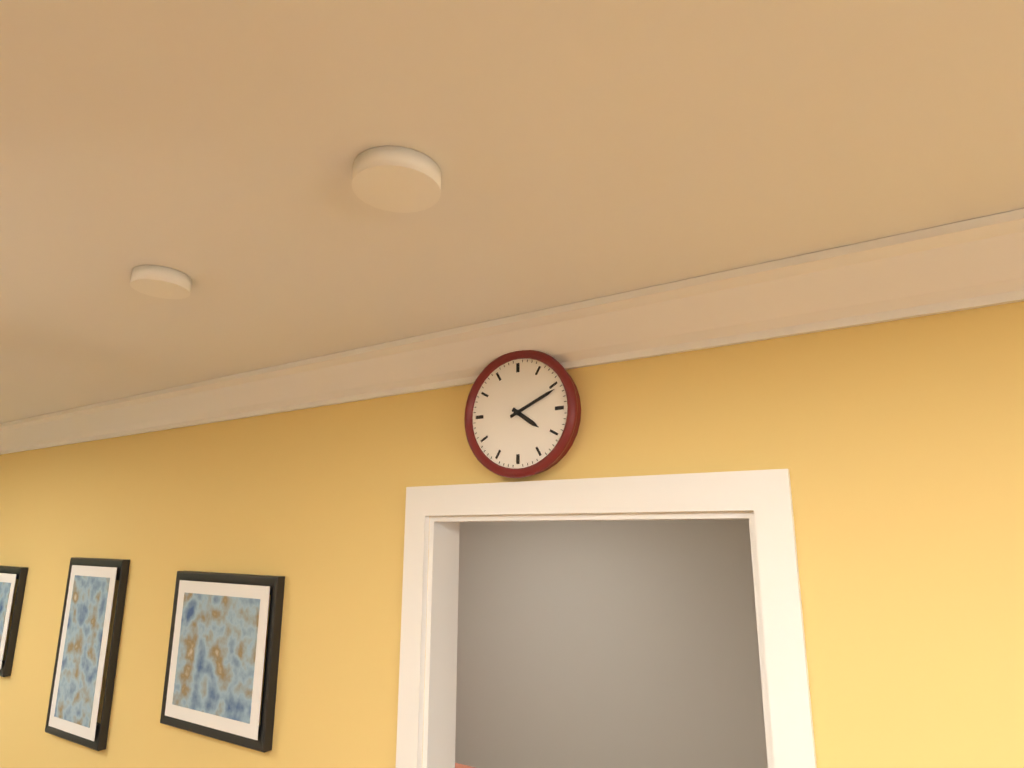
4:11
